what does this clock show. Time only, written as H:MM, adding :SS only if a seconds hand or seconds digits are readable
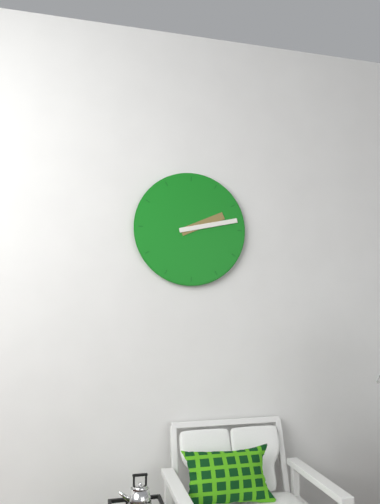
2:13
